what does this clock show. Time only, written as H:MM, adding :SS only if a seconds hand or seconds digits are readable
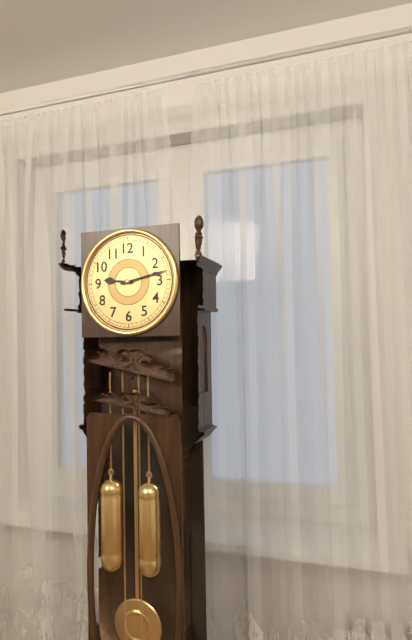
9:13
